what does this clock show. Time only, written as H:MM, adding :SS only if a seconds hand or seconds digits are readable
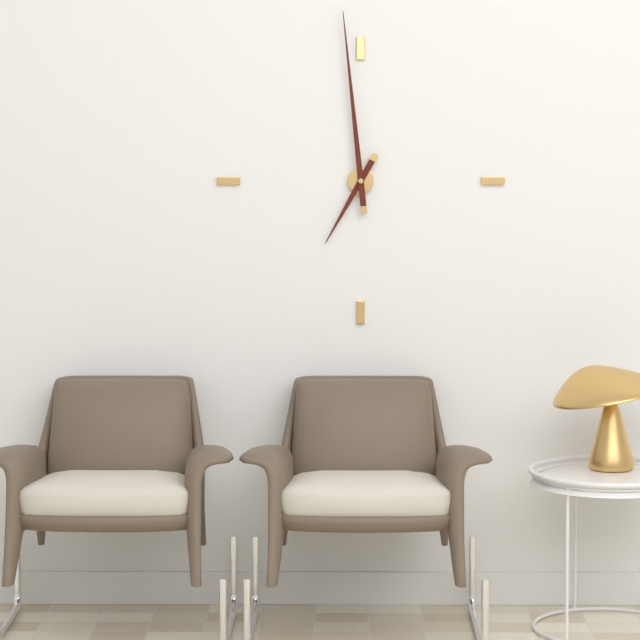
6:59
